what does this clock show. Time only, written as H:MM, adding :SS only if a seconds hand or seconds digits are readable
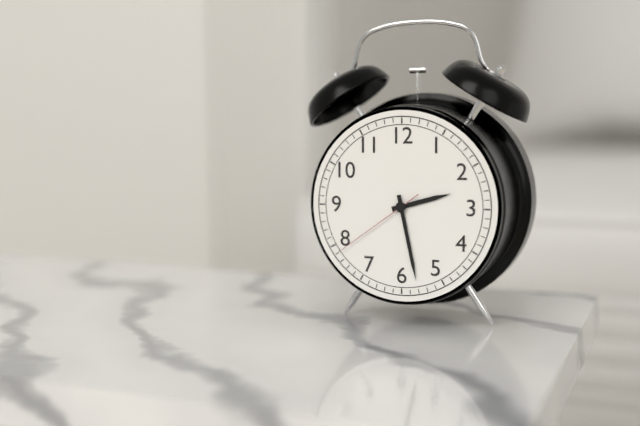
2:28:39
